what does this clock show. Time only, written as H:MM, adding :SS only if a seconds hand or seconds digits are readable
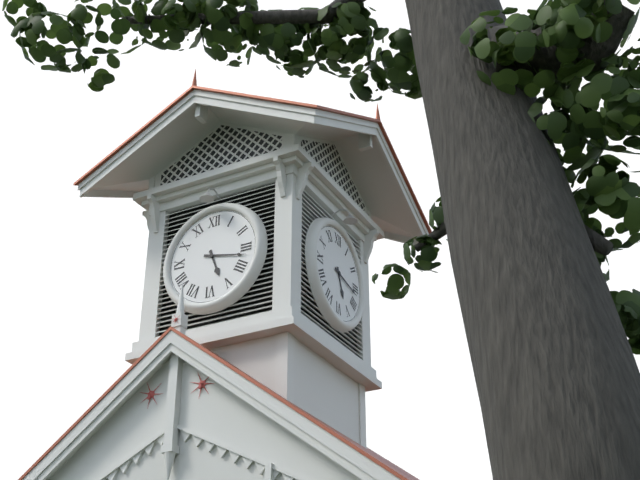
5:17
